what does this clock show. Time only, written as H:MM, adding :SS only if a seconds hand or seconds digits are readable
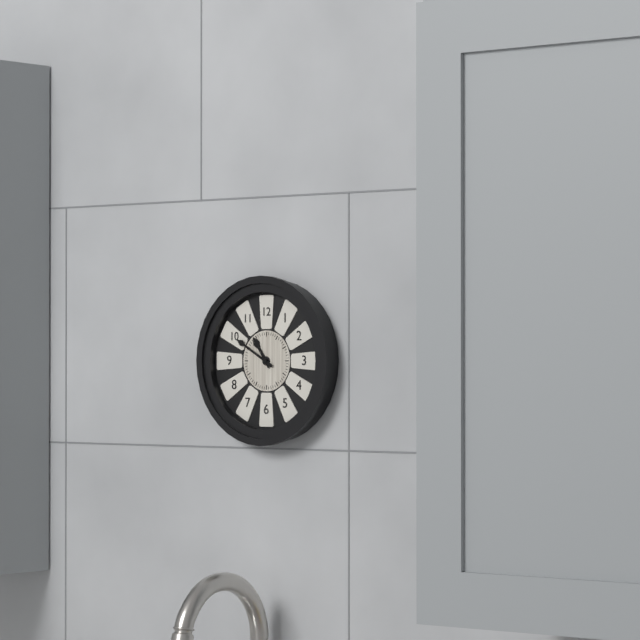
10:50
